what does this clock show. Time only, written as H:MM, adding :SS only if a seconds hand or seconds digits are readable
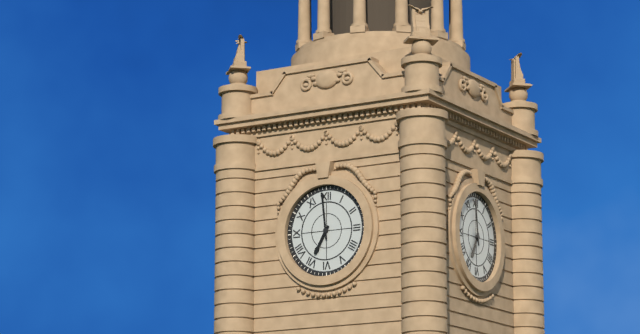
6:59
